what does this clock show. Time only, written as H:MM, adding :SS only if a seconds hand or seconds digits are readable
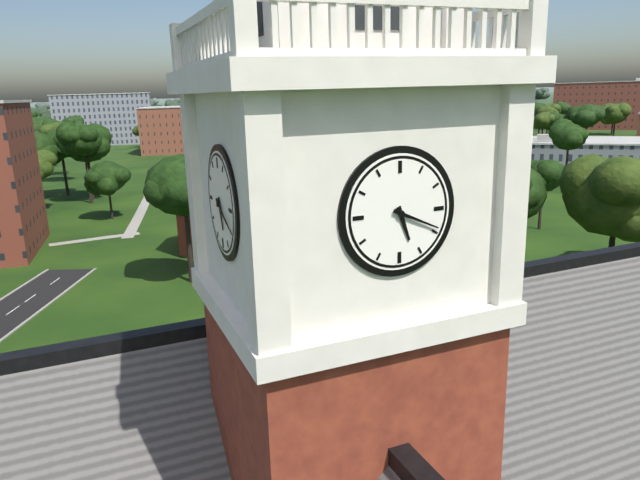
5:19
